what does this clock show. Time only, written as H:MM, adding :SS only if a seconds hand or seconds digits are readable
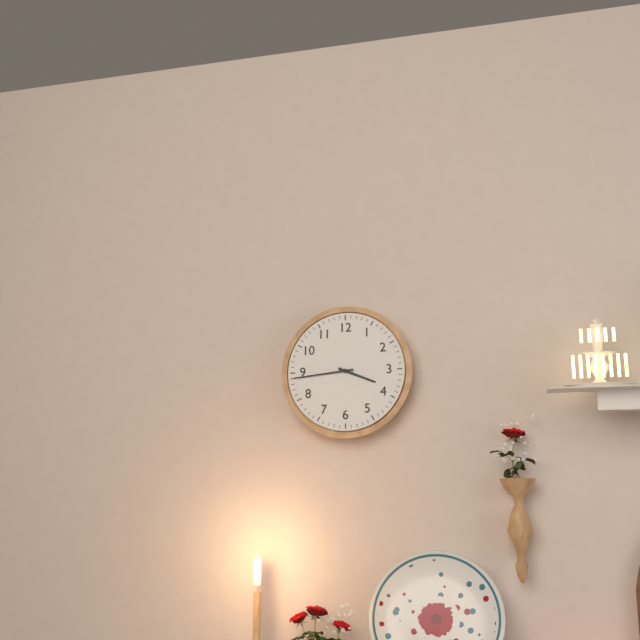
3:44
